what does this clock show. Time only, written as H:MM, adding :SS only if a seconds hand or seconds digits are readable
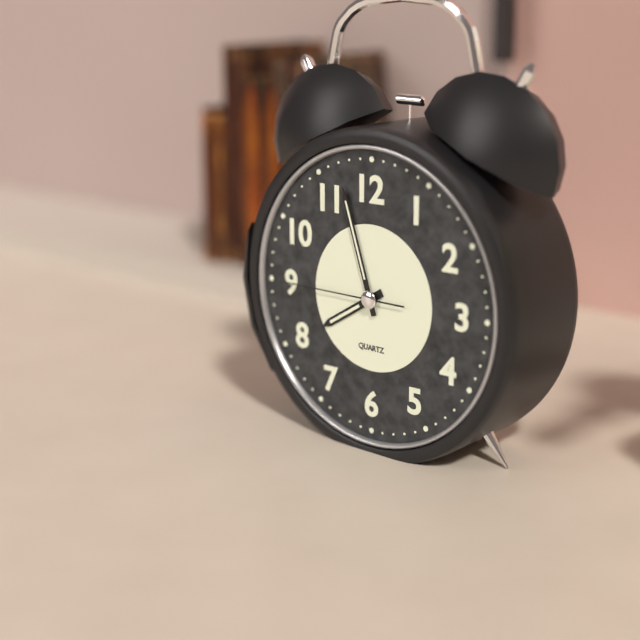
7:57:45
